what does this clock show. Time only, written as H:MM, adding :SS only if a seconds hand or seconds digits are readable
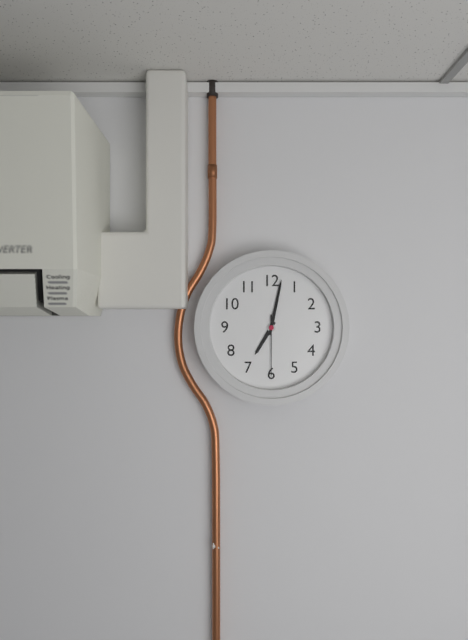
7:02:30
